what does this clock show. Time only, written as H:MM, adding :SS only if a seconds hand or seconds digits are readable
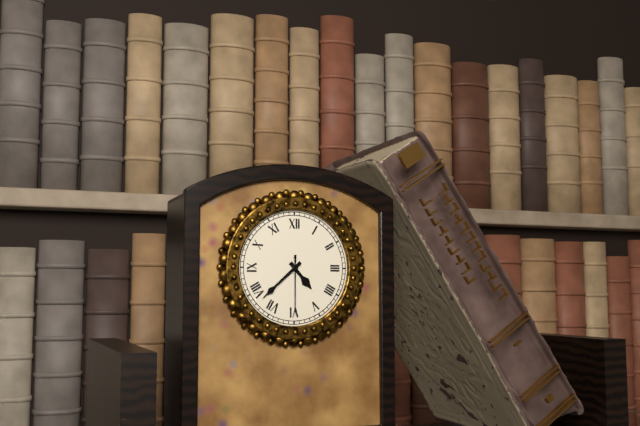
4:38:30
